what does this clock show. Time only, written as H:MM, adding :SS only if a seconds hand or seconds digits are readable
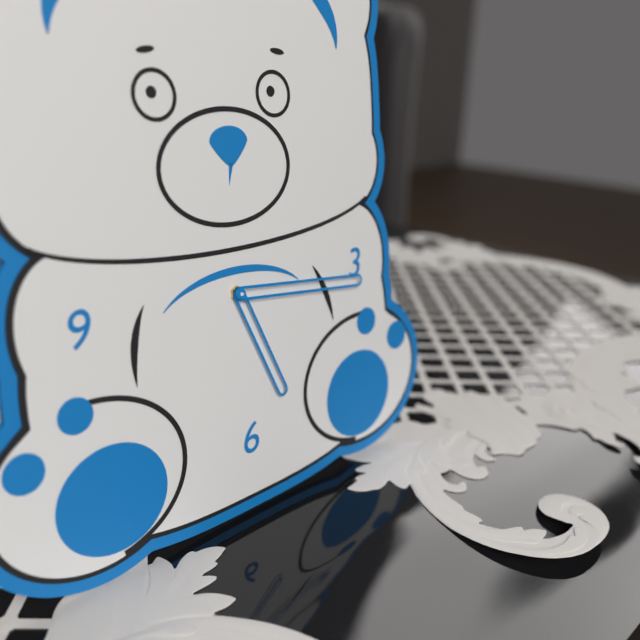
5:16
